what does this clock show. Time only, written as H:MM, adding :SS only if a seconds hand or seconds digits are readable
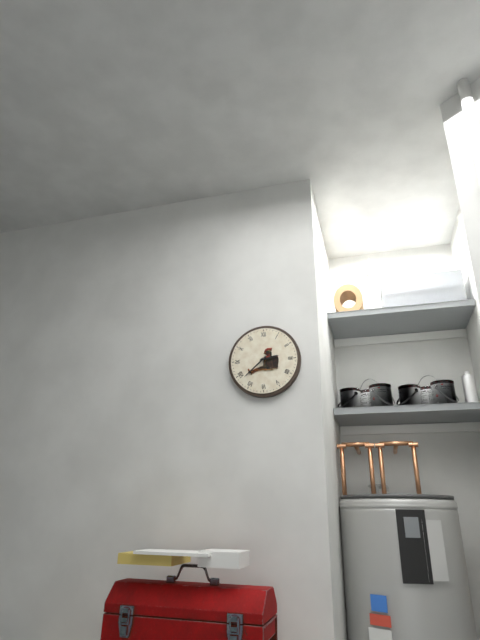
2:38
